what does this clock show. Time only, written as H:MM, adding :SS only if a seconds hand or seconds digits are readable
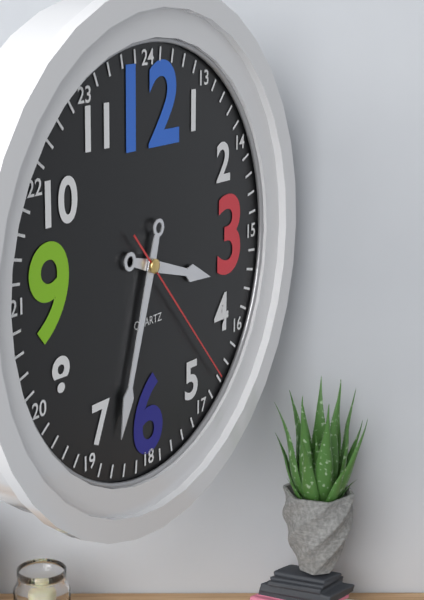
3:33:23
